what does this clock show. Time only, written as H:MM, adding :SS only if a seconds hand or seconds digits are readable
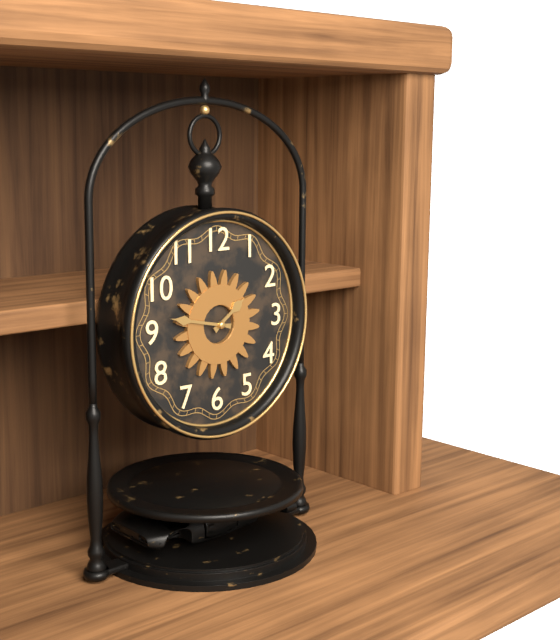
1:47
